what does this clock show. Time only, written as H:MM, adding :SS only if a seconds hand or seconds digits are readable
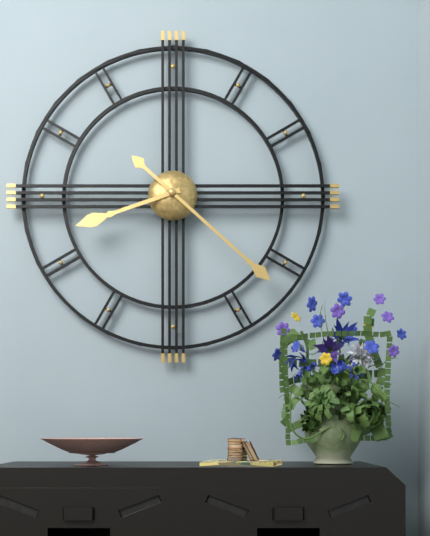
8:22
